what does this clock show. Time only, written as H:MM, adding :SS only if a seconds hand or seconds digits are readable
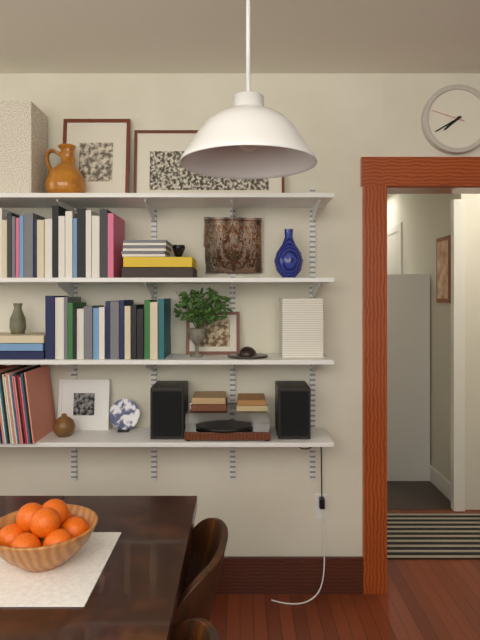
7:40
